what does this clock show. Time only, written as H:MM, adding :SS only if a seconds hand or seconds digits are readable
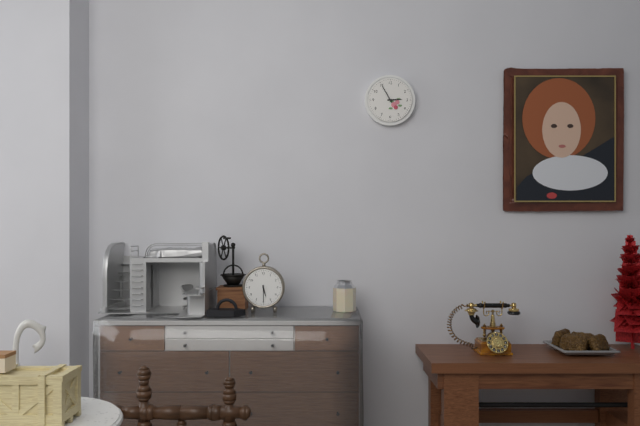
2:55
